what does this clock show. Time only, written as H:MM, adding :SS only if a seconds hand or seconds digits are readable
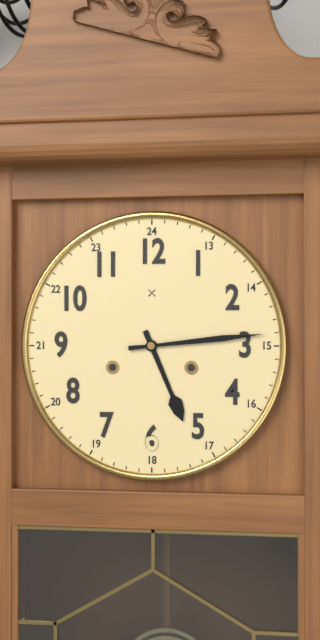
5:14
